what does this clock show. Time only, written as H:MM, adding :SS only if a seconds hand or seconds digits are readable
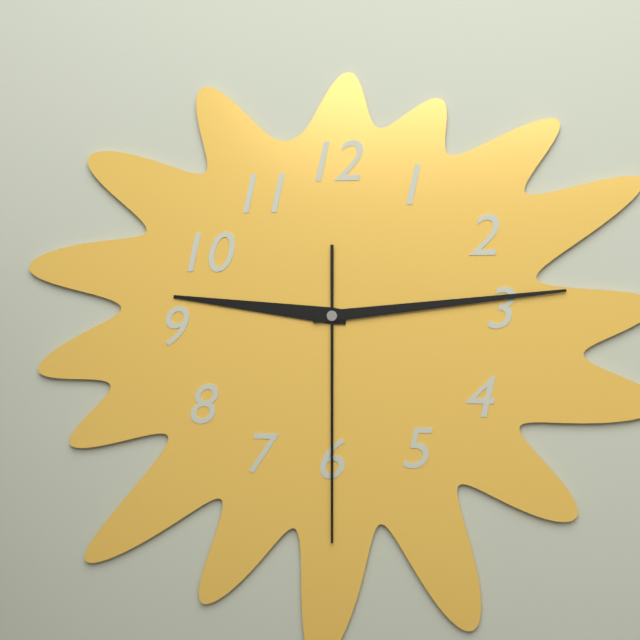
9:14:30
